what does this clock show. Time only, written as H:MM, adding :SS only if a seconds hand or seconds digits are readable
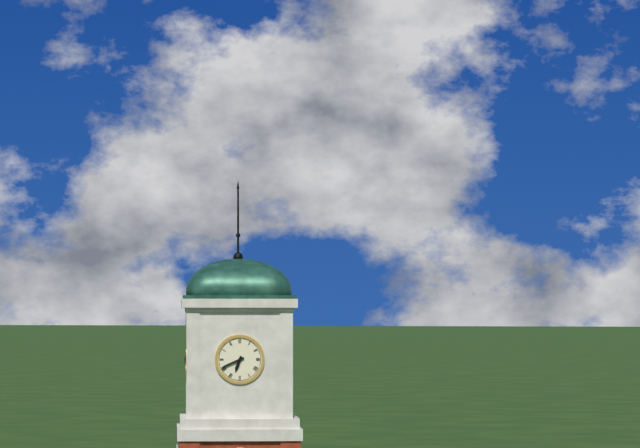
6:41
